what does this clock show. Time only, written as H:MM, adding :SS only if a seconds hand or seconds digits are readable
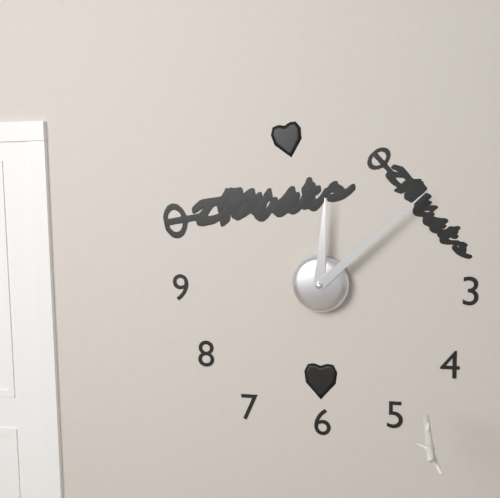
12:08
